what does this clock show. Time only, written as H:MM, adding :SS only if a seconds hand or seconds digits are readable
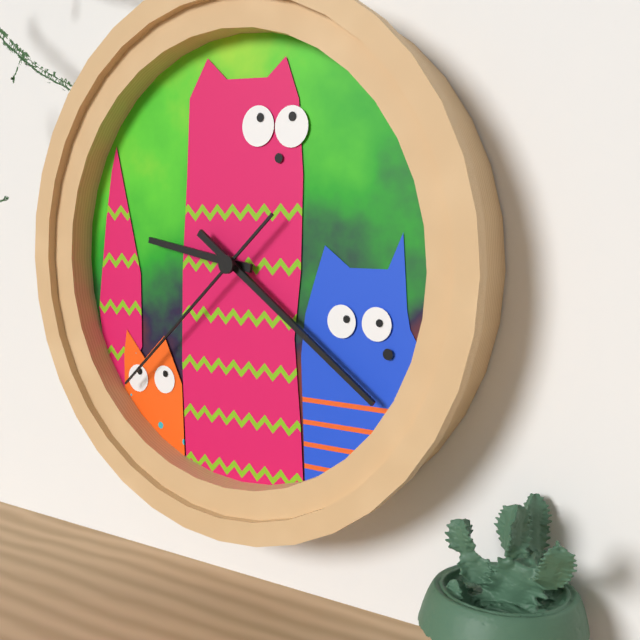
9:21:38
